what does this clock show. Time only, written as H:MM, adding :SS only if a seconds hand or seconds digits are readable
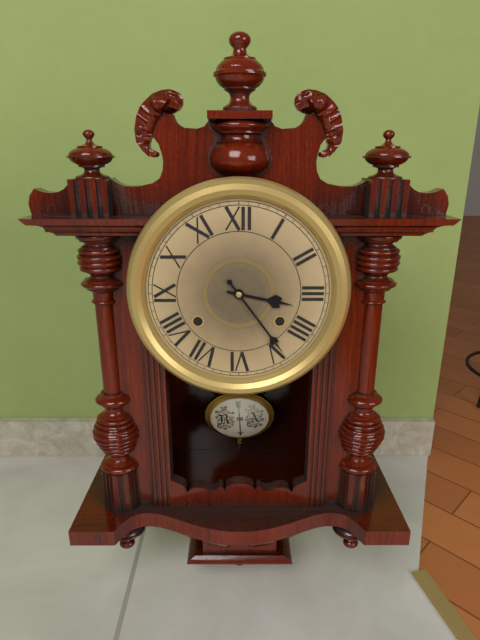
3:24
